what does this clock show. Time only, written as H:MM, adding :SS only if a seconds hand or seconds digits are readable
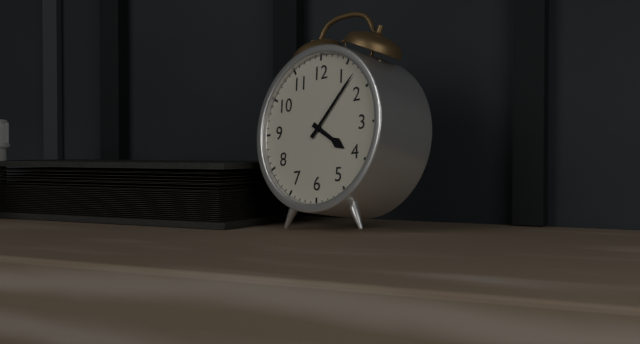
4:07
